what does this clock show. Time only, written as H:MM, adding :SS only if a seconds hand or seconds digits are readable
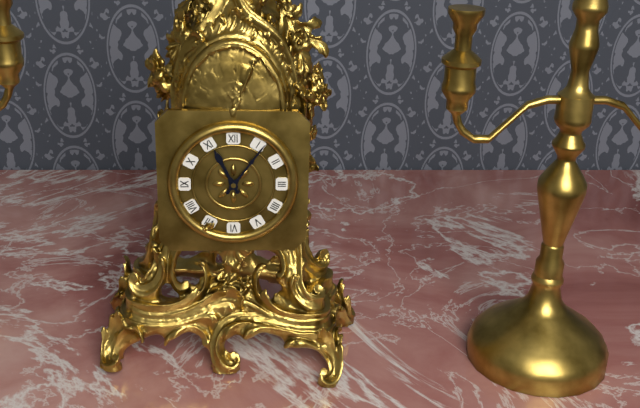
11:06
